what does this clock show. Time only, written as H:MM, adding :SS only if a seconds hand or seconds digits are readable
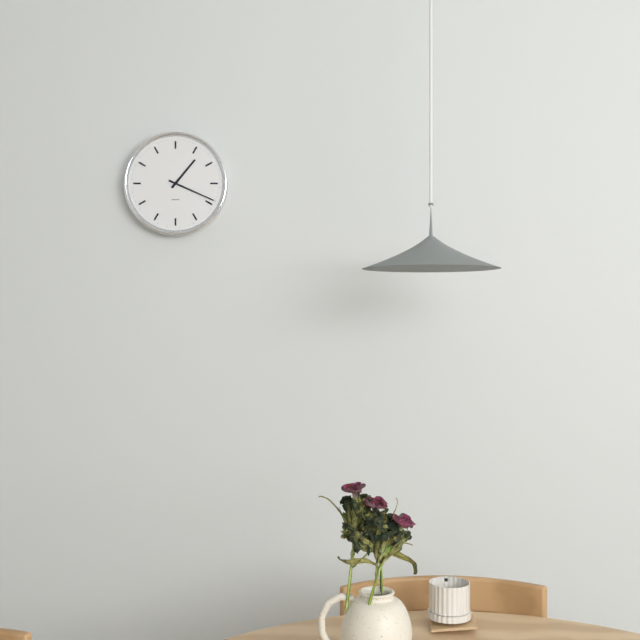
1:19
